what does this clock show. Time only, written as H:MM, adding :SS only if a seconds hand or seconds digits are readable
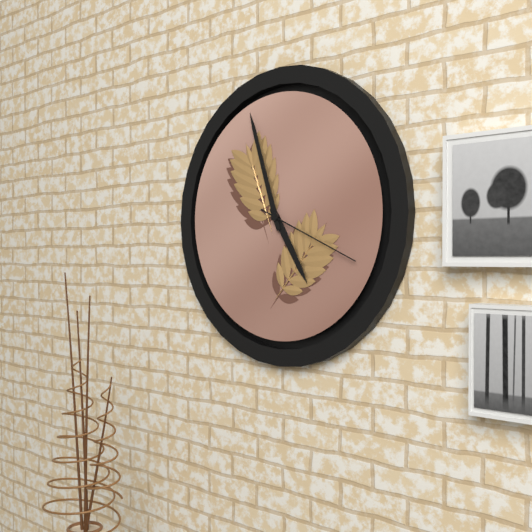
4:57:19
